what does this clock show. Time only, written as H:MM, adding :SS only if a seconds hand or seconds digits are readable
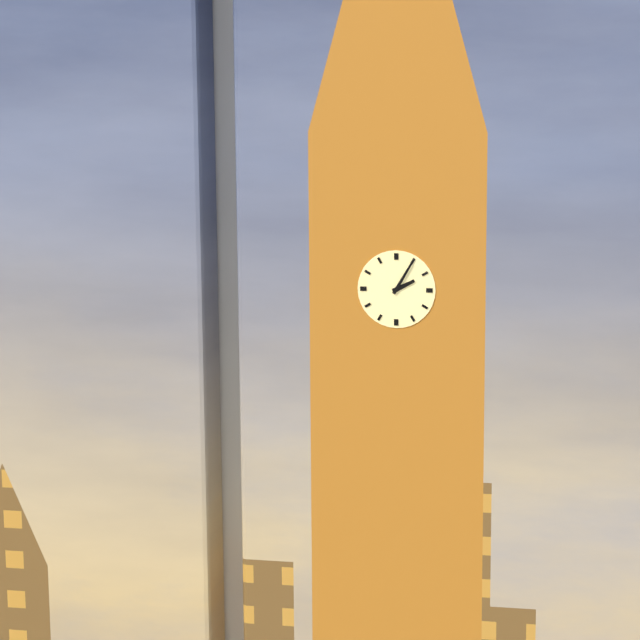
2:05
